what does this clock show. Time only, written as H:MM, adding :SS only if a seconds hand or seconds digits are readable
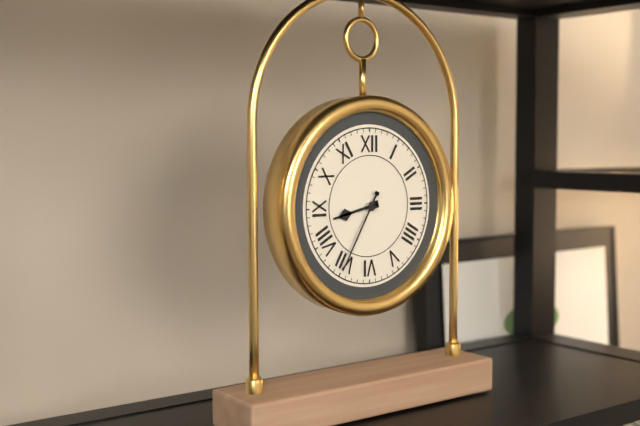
8:35
